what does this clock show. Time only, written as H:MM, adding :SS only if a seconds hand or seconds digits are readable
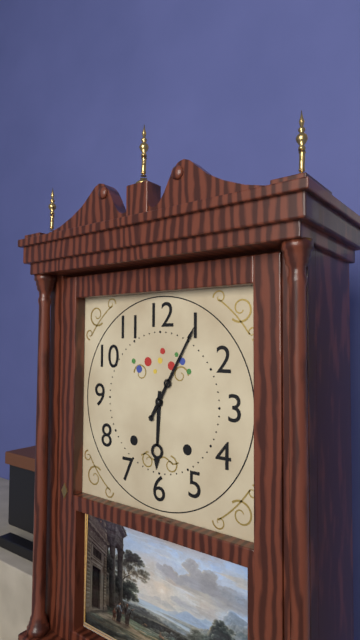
6:05
